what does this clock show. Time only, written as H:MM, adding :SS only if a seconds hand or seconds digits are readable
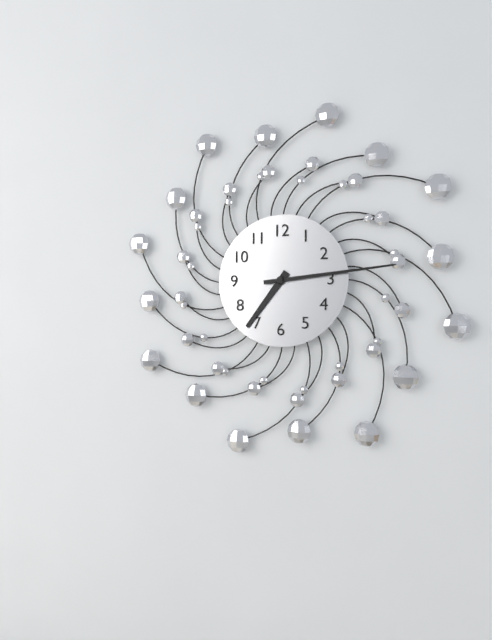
7:14
